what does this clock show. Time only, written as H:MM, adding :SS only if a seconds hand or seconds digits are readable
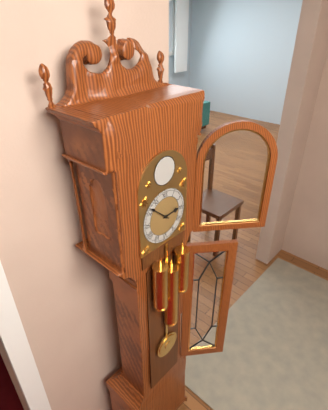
2:52
